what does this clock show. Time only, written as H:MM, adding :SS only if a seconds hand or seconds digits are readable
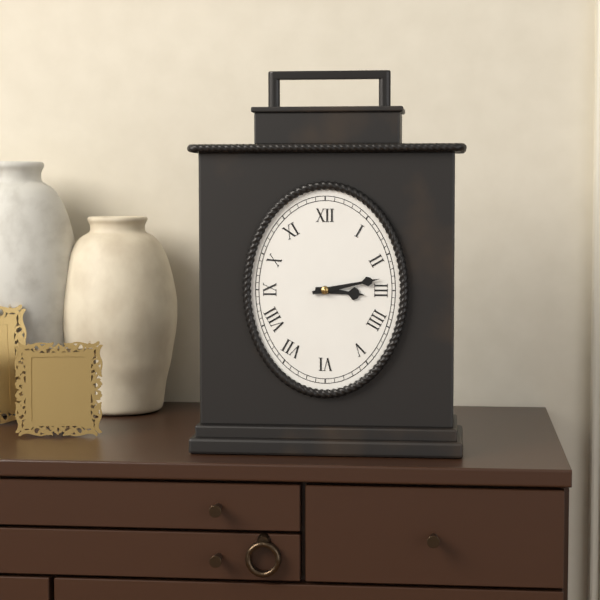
3:13
